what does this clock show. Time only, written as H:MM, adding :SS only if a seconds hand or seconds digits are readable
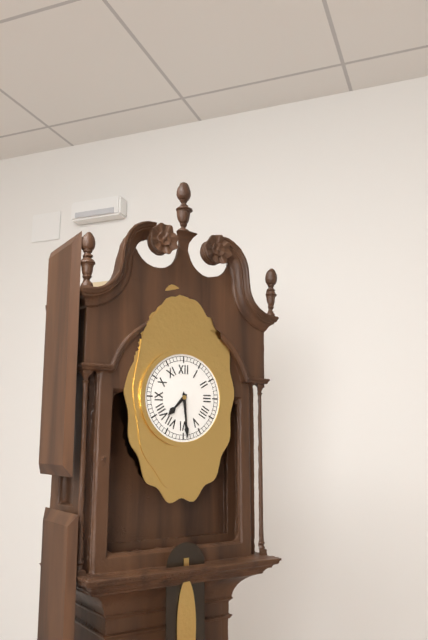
7:29
